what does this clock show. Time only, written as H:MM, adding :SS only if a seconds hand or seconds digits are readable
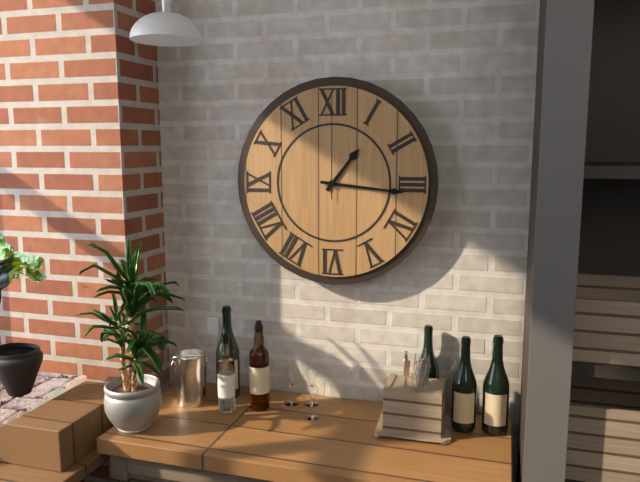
1:16:00
